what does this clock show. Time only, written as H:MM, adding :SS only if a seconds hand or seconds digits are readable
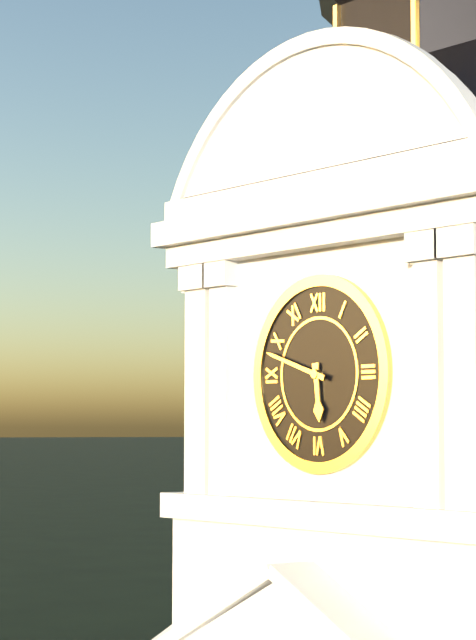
5:48
